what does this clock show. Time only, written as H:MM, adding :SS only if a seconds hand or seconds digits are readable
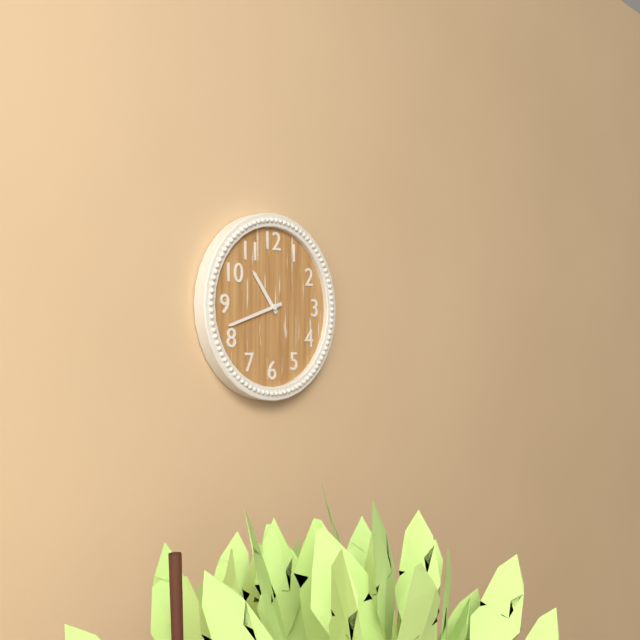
10:42
